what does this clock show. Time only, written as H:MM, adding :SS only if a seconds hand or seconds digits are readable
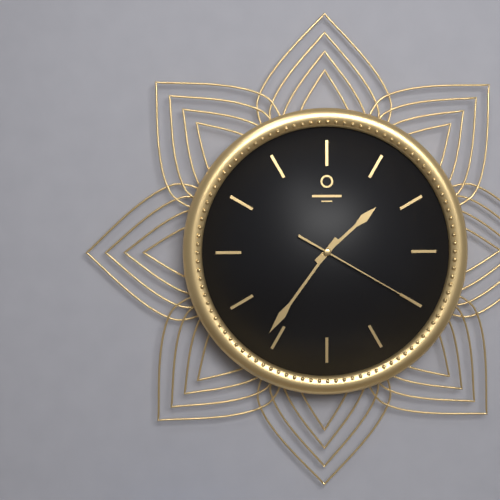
1:36:20
